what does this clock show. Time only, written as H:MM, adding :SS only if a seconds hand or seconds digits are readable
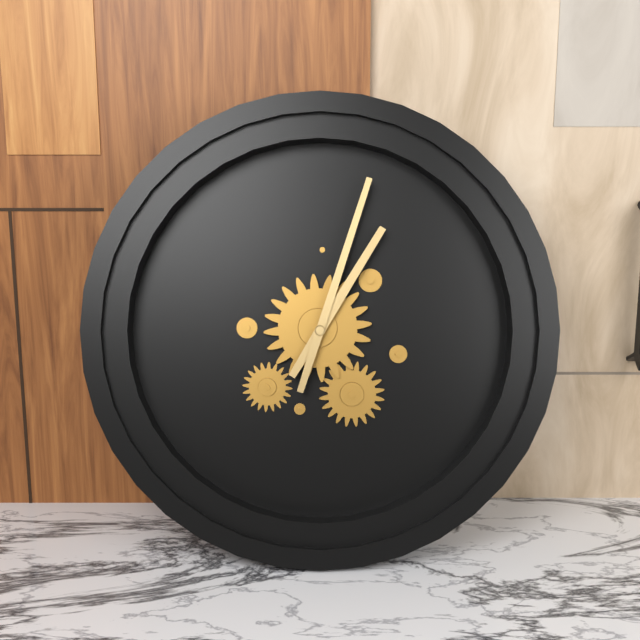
1:03
